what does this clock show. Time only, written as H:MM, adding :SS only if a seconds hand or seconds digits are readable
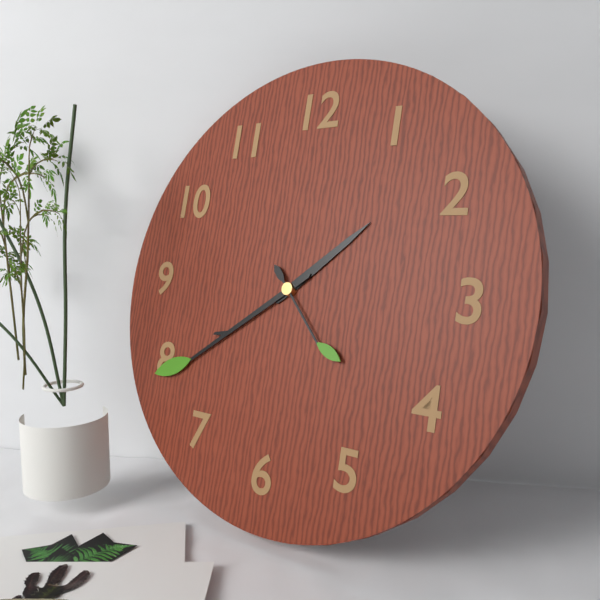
1:39:23
